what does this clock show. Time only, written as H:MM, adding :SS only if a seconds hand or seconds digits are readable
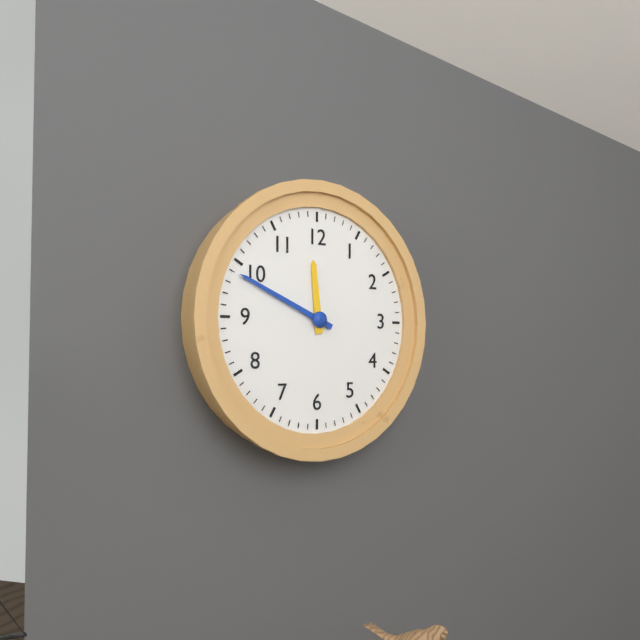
11:49
